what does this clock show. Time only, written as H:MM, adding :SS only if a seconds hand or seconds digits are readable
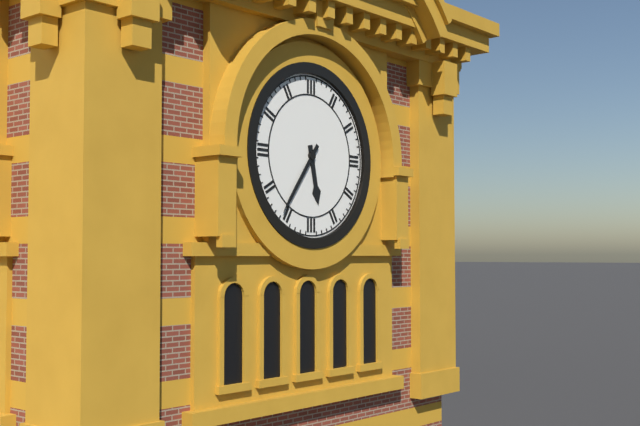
5:36
